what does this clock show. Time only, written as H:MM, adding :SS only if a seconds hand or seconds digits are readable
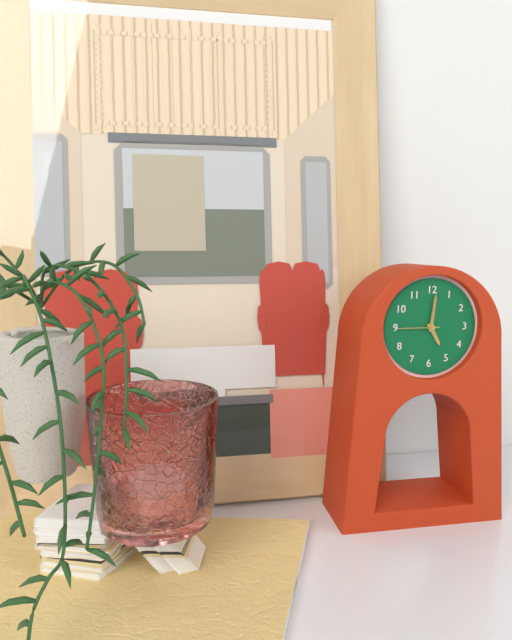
5:01
